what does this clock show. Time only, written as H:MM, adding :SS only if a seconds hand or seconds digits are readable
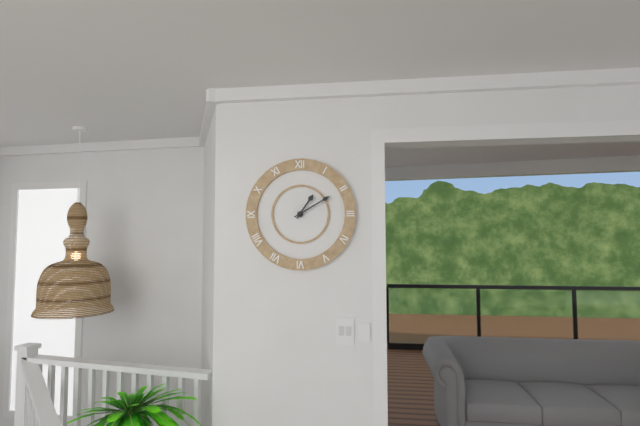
1:10
